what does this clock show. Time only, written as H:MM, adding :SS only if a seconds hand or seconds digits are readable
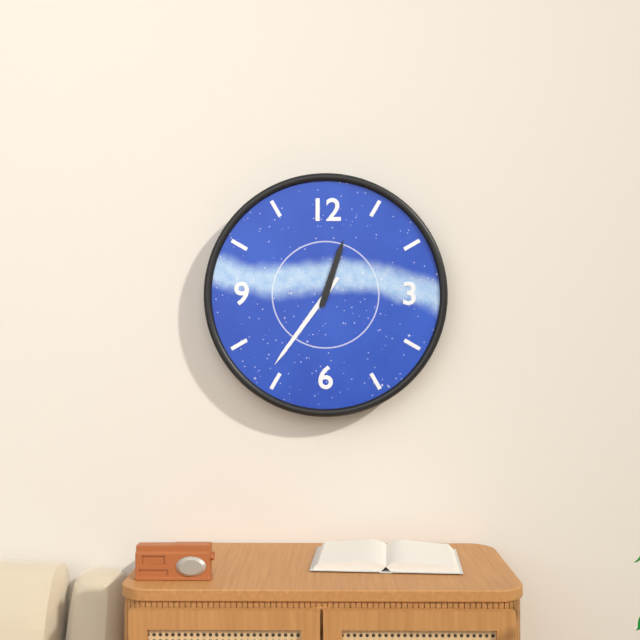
12:36
